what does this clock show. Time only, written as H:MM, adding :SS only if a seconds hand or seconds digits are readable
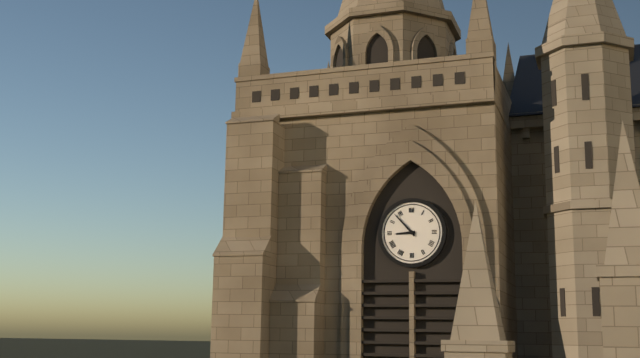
8:53
